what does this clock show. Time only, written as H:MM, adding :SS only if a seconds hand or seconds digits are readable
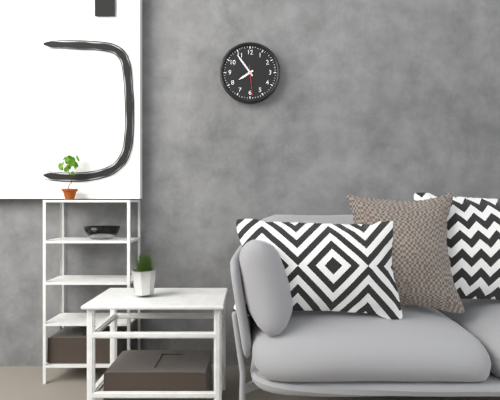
7:54
